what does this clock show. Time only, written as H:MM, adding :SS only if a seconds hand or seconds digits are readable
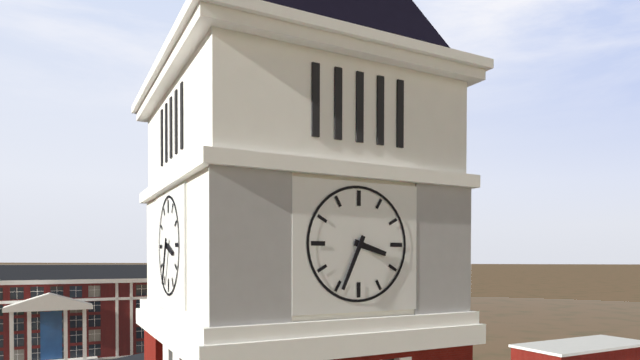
3:34
